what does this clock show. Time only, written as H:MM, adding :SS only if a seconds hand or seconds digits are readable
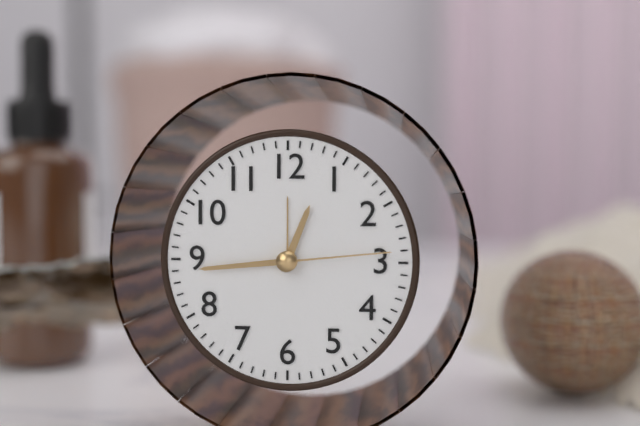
12:44:14
